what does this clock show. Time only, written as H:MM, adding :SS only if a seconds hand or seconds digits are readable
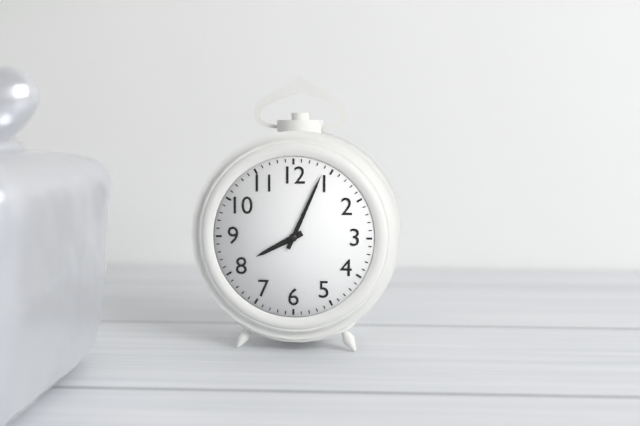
8:04
